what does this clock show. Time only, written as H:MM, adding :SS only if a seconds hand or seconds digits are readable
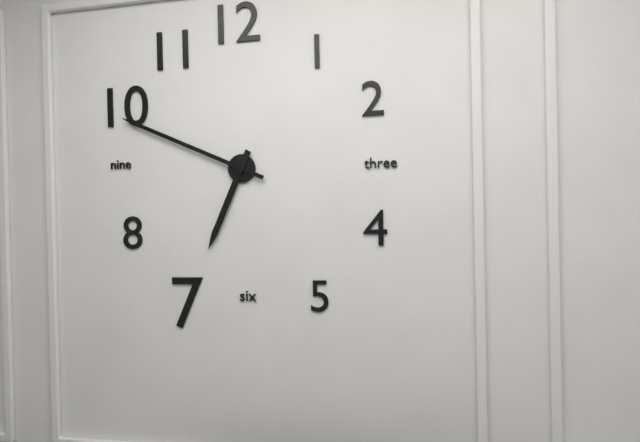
6:49
